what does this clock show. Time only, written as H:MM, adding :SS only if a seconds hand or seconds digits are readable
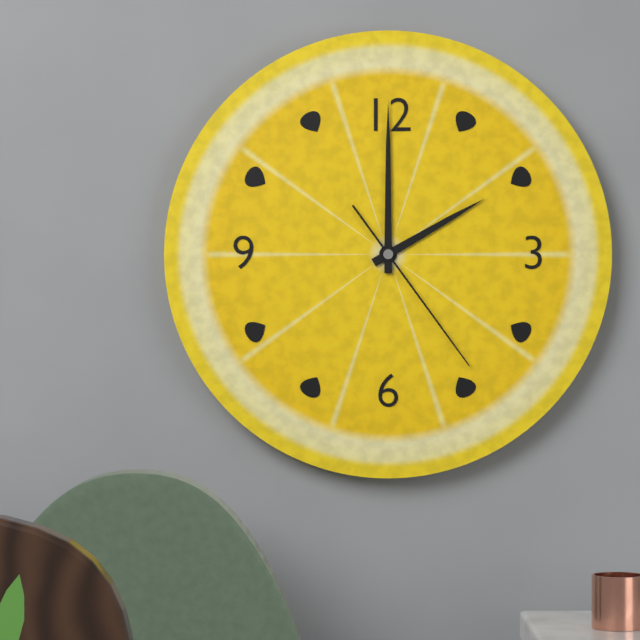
2:00:24
